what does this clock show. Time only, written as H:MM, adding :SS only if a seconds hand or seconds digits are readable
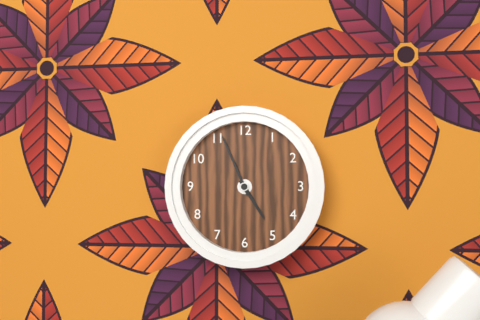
4:56
